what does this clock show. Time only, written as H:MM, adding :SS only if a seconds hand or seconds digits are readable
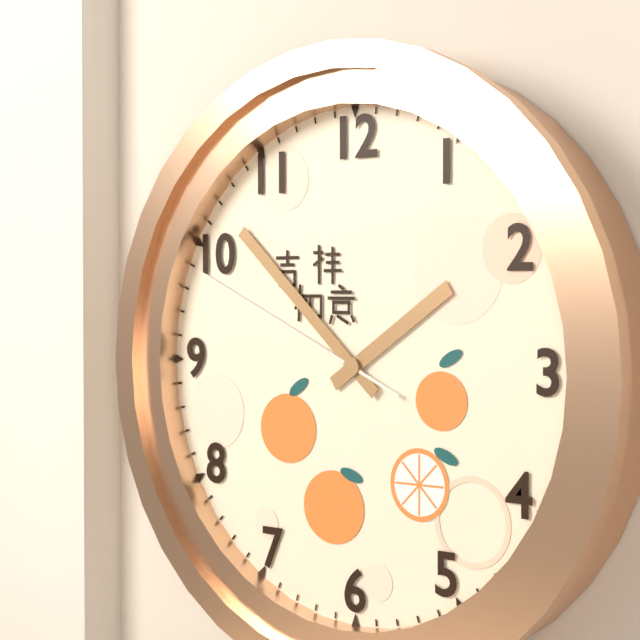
1:52:49
